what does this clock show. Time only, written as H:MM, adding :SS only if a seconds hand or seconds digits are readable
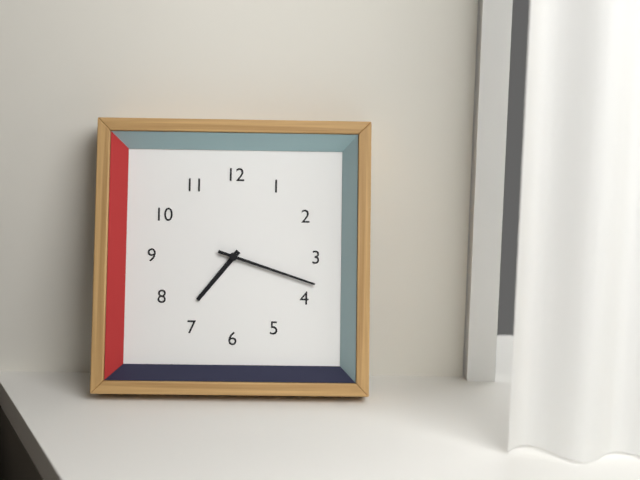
7:18
